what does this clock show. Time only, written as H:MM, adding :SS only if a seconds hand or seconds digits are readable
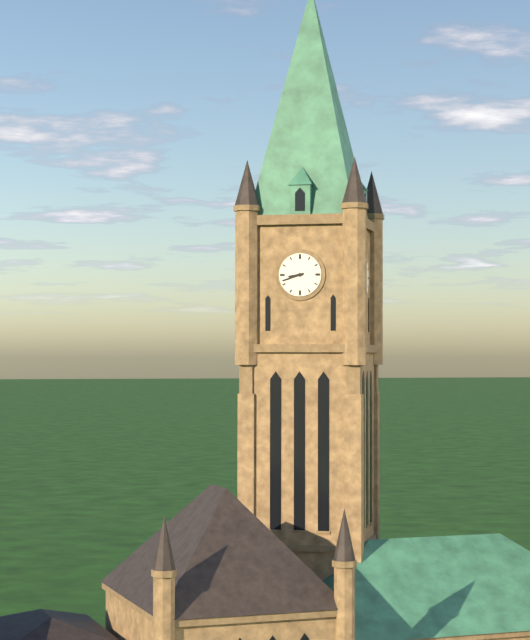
8:42
